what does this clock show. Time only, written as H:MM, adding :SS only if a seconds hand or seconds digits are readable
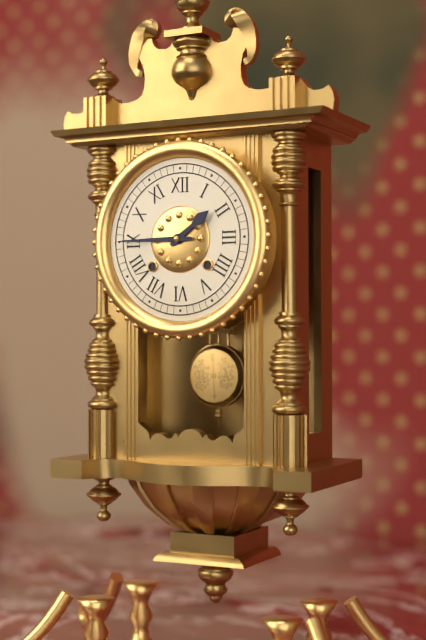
1:45
